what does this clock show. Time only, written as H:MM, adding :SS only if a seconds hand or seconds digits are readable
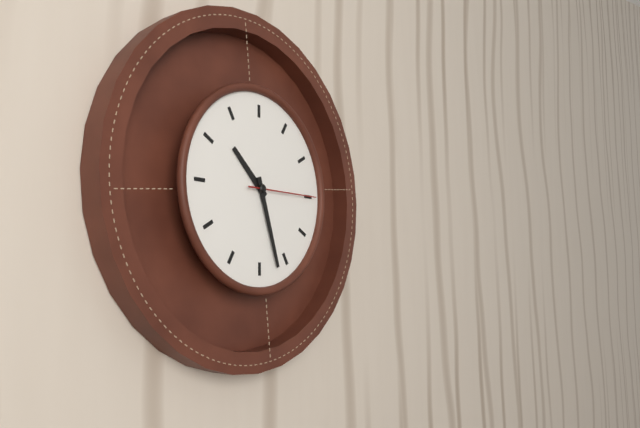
10:27:15
